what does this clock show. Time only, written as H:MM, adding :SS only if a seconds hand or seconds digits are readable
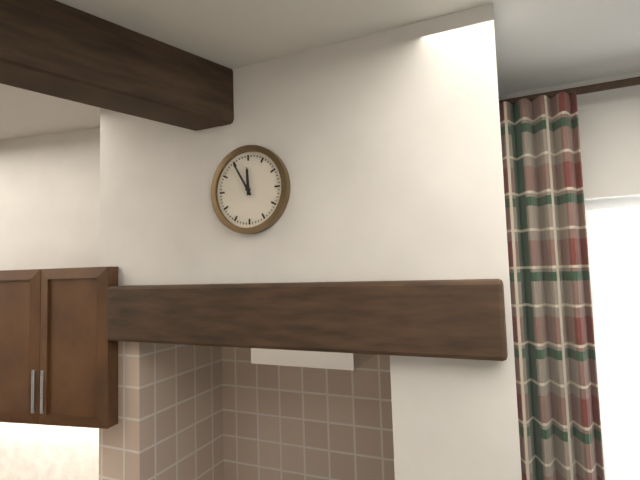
11:55
